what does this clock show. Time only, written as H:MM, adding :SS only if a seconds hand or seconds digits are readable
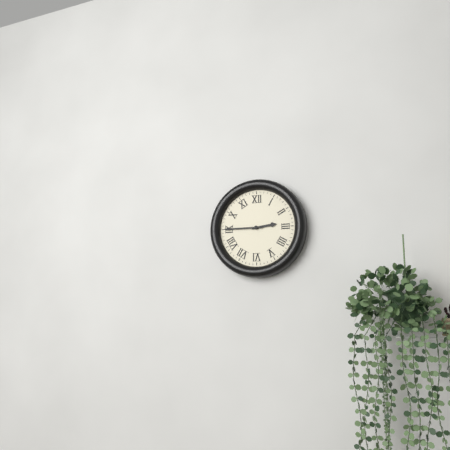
2:45
